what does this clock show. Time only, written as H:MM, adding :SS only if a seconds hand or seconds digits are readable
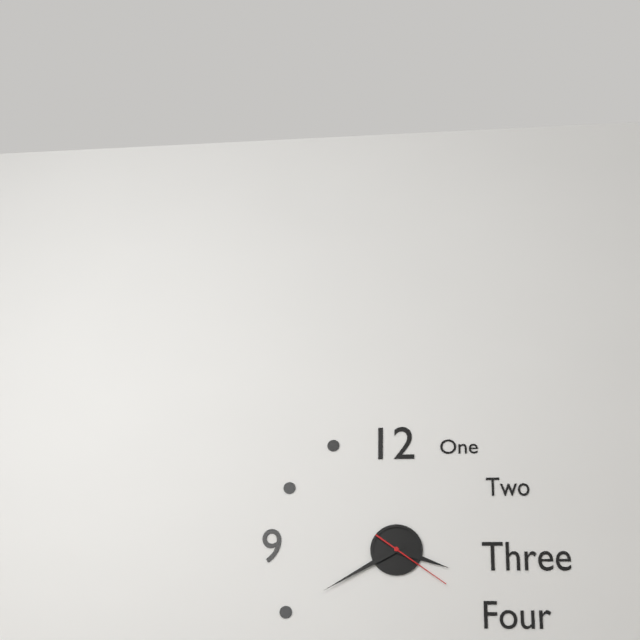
3:40:21
